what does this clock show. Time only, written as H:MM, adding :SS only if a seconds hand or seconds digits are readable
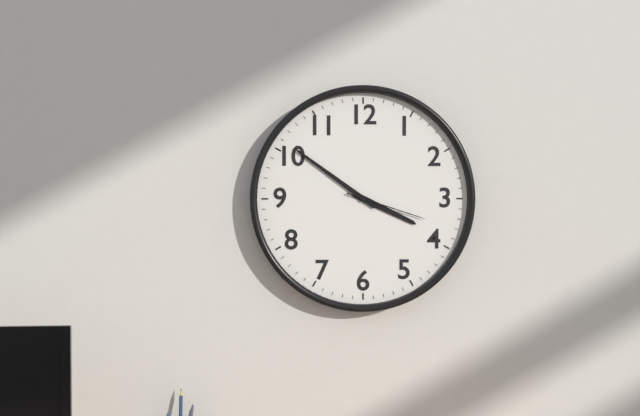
3:51:18
